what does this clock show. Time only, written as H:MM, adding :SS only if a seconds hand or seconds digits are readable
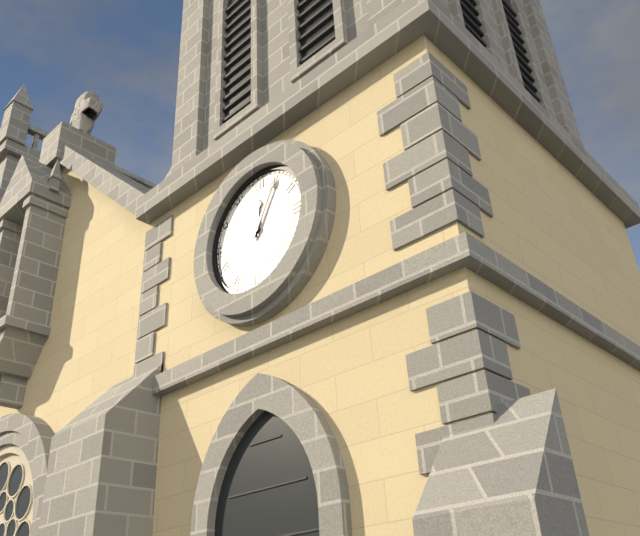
12:05
